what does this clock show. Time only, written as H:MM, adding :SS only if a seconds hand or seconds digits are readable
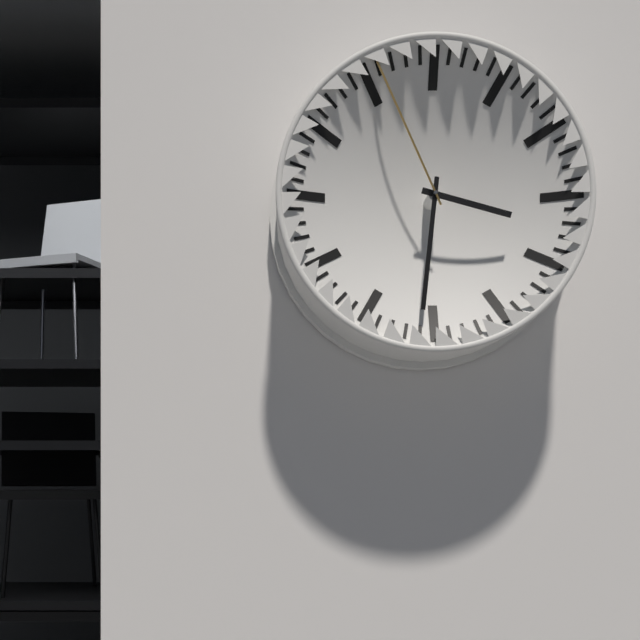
3:31:56
